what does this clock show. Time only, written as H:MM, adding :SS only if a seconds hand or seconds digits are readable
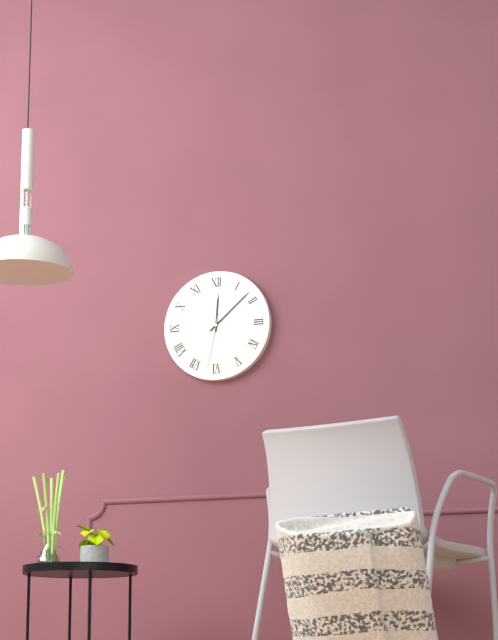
12:08:32
